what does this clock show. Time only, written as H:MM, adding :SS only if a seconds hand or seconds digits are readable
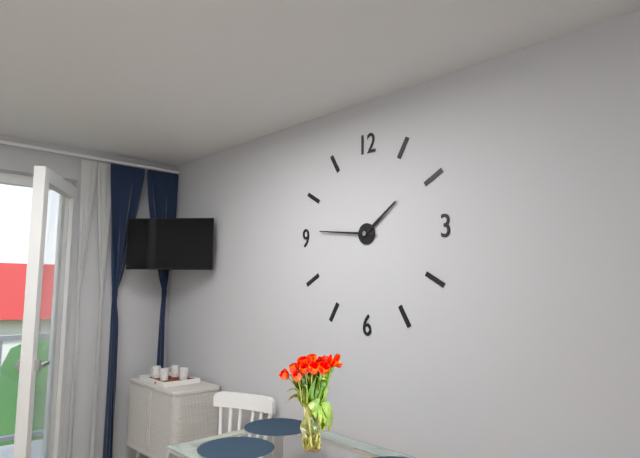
1:46
